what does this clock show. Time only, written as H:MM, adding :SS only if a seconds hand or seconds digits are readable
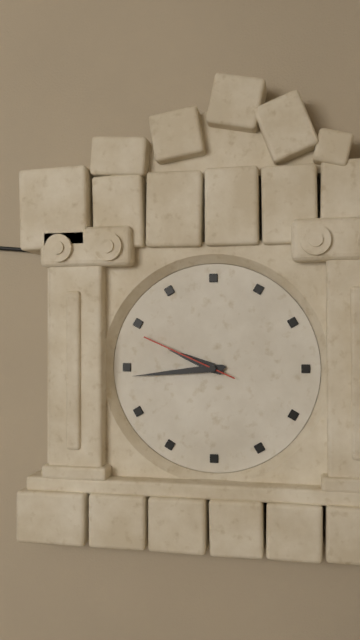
9:44:49
